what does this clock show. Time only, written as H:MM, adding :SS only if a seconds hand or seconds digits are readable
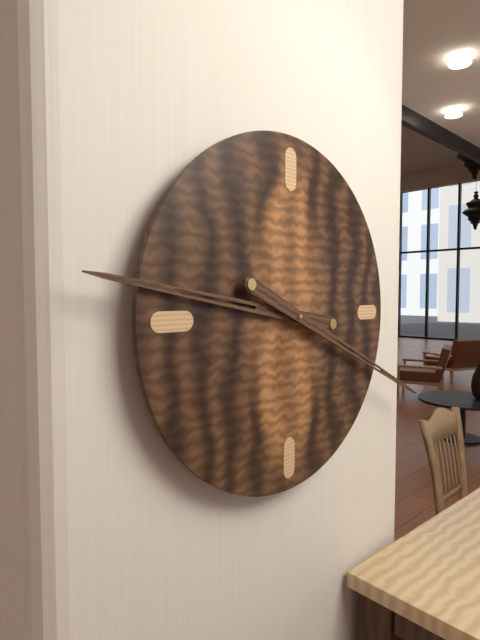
9:19
